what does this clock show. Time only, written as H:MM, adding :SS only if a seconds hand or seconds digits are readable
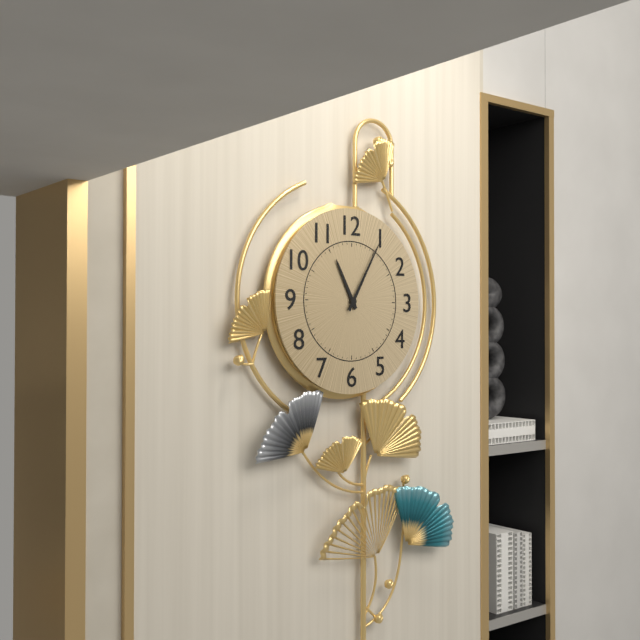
11:05
